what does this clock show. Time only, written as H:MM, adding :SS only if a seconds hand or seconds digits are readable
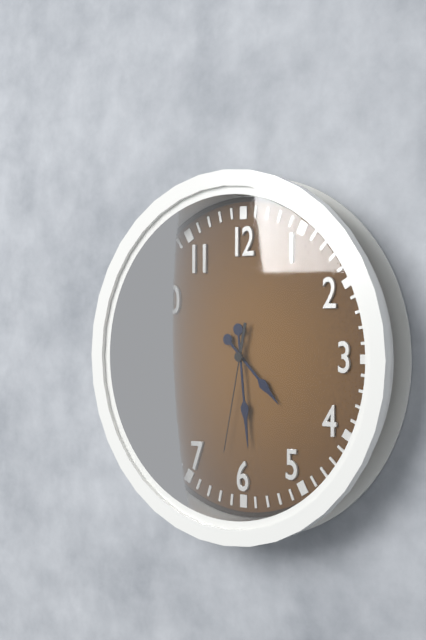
4:29:32
